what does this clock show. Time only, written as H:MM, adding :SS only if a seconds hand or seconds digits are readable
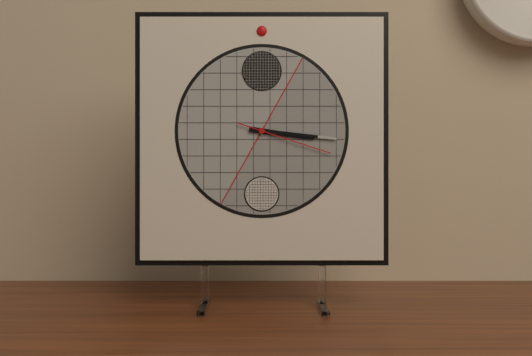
3:16:18
